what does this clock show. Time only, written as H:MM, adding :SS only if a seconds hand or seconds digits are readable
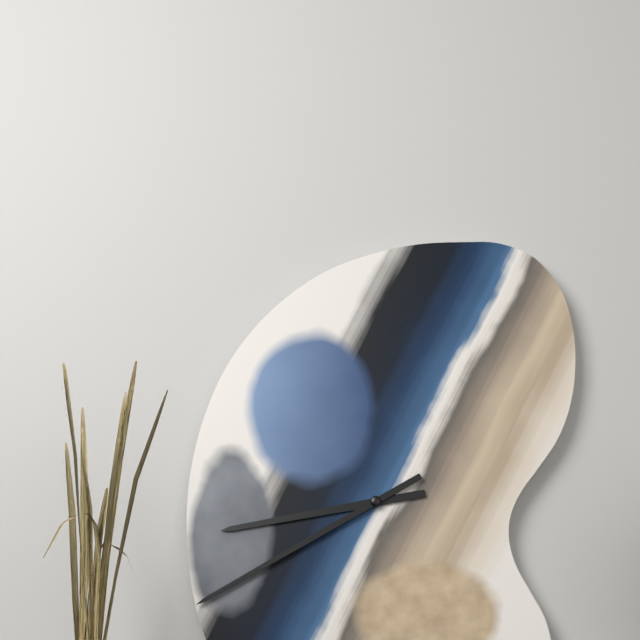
8:40
